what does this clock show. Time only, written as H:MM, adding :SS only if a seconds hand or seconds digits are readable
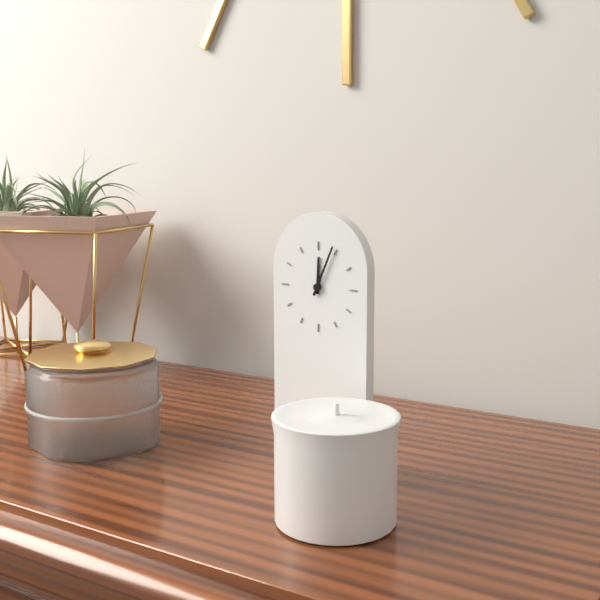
12:04
